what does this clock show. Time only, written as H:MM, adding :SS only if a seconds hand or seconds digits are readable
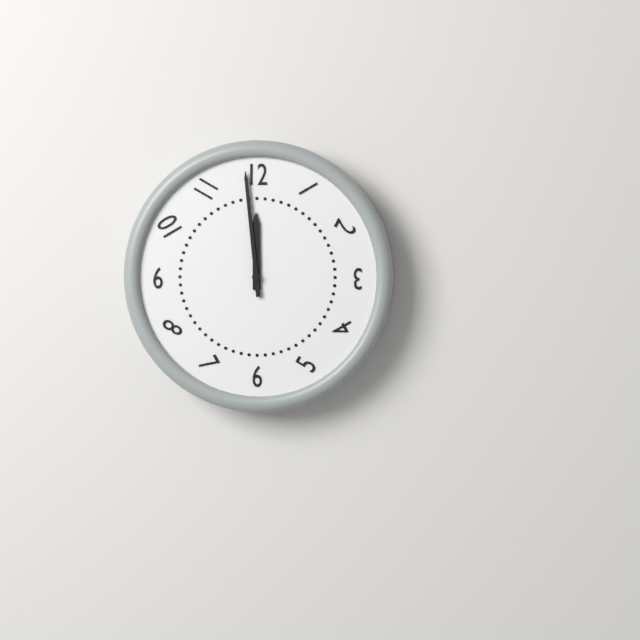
11:59
